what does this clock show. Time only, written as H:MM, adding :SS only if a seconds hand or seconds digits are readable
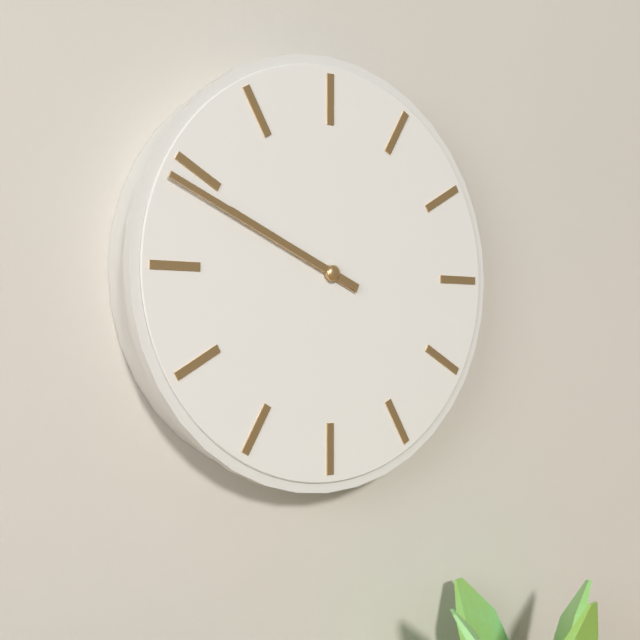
9:49
